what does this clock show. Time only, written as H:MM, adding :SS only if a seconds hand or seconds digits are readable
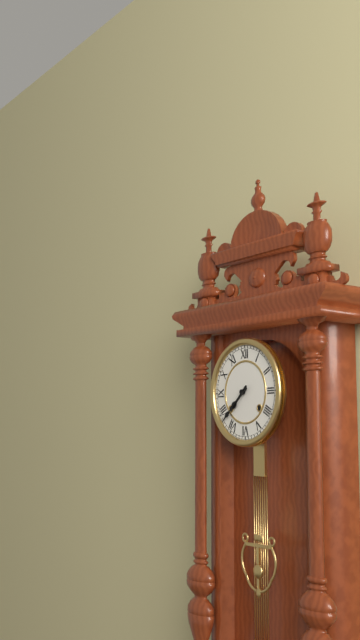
7:38
